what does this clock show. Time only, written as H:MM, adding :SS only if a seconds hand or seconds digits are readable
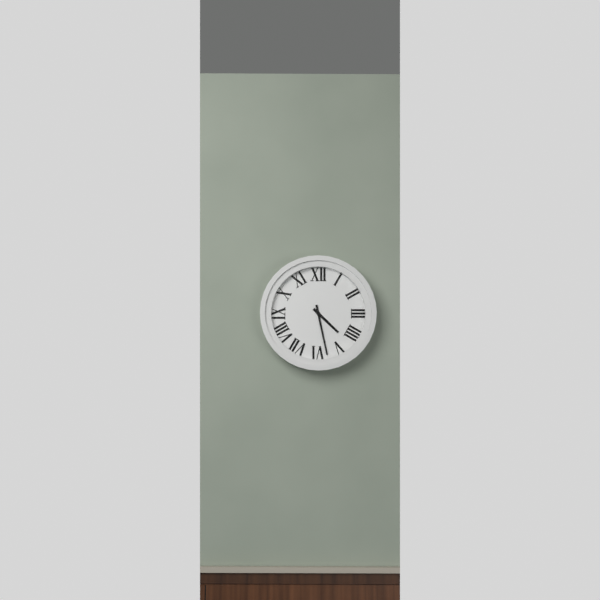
4:28
